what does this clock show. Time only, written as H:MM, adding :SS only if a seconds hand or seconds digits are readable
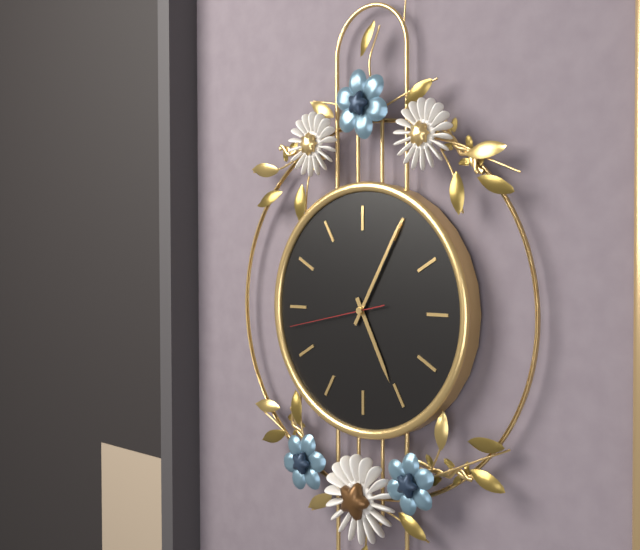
5:05:43
